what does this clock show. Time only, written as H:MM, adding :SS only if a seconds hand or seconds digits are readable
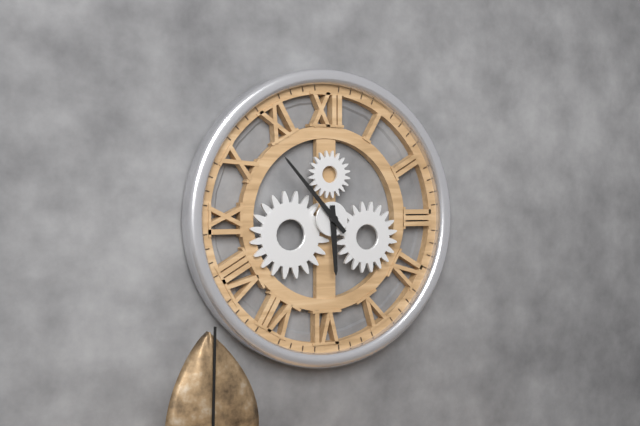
5:53
